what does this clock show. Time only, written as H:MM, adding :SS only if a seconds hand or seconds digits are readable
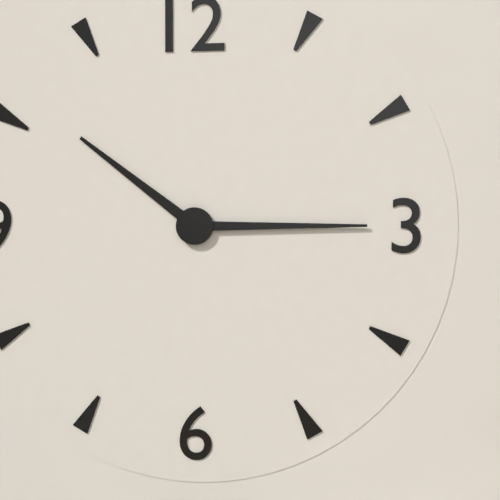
10:15
